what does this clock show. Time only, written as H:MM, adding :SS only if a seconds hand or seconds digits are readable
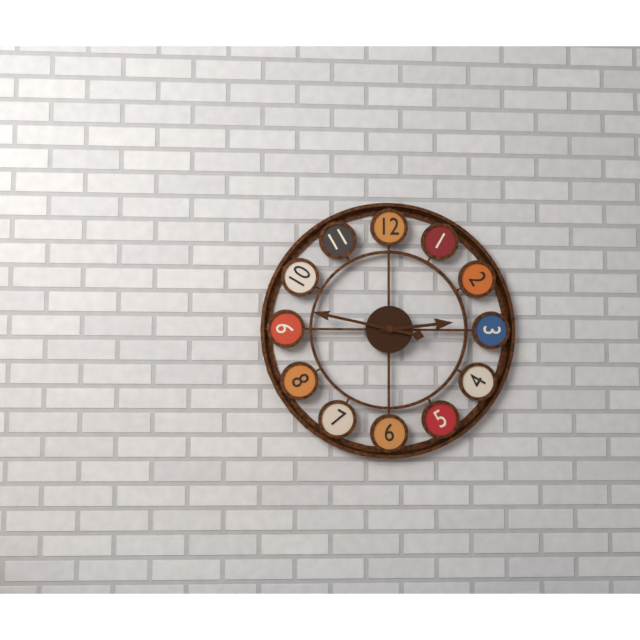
2:47
